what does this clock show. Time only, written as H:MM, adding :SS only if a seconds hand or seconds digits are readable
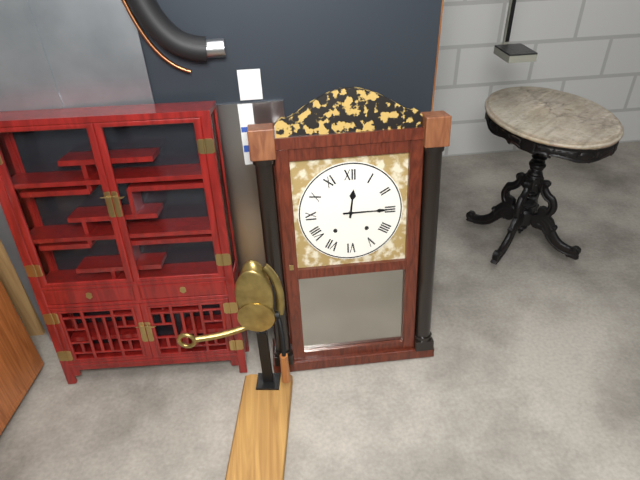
12:15
